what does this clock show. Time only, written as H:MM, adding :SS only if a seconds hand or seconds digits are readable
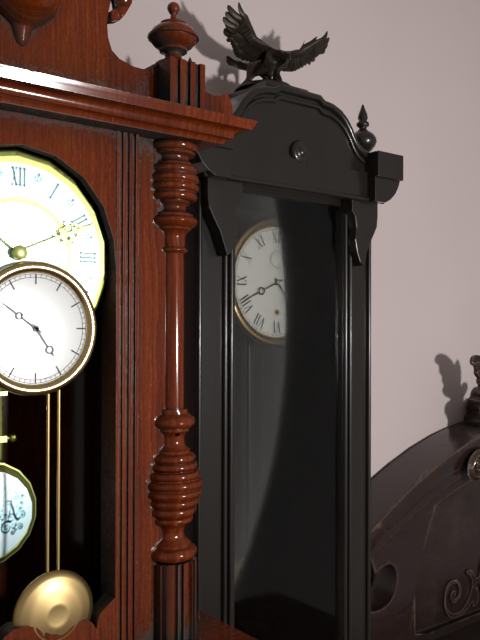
4:41
